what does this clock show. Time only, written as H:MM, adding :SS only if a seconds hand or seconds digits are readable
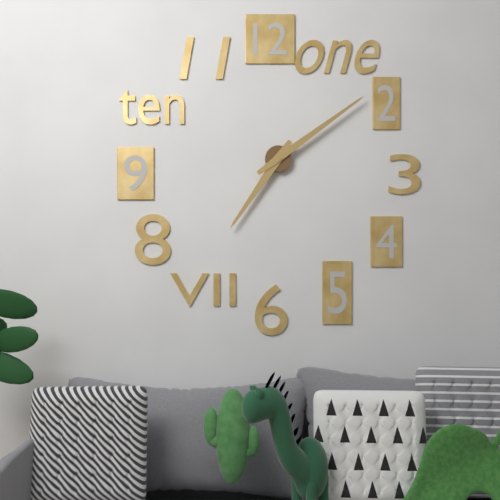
7:09
